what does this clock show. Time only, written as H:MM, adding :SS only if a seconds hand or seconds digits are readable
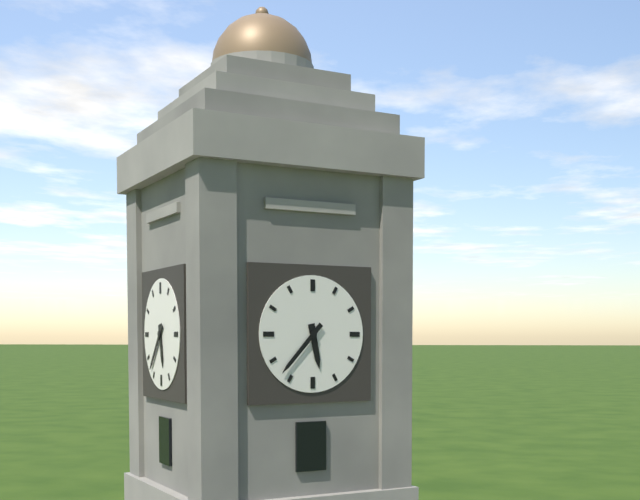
5:37
